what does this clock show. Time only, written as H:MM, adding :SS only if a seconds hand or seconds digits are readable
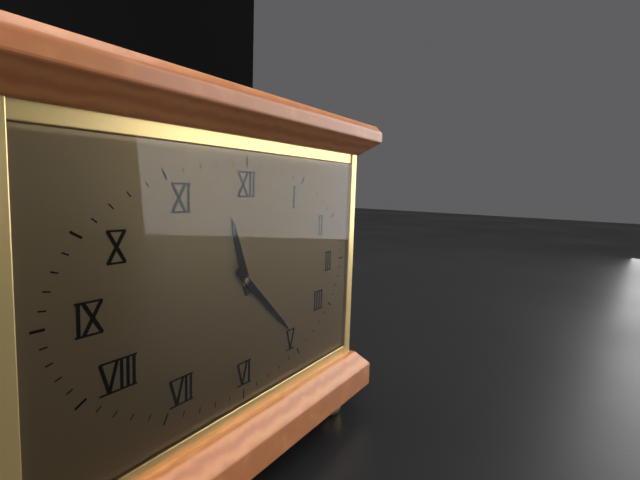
11:22
